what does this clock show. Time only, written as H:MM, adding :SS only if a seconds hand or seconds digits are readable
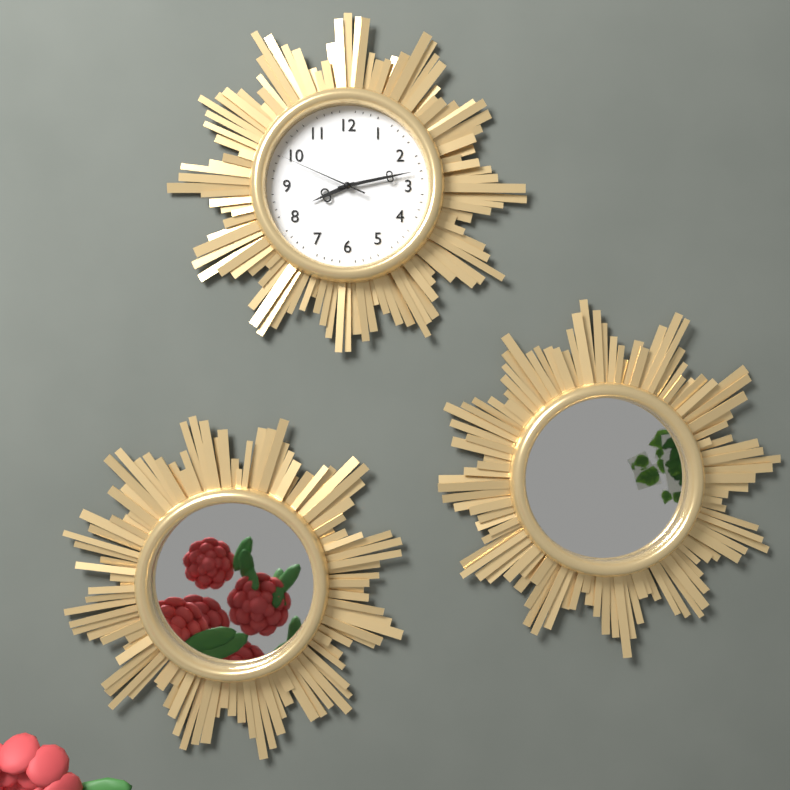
8:13:49
